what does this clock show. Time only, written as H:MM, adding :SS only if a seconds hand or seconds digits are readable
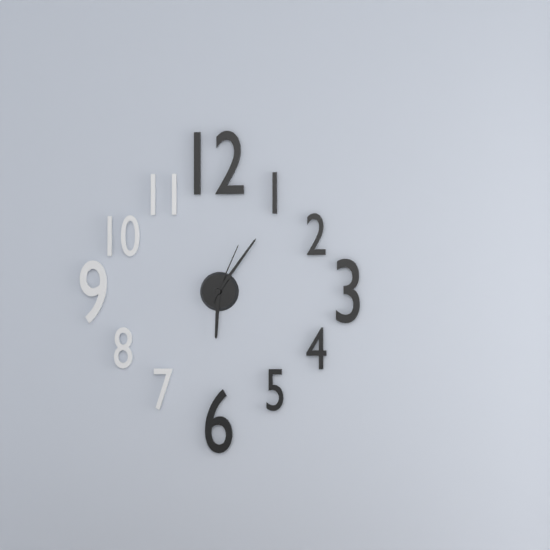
6:06:04
